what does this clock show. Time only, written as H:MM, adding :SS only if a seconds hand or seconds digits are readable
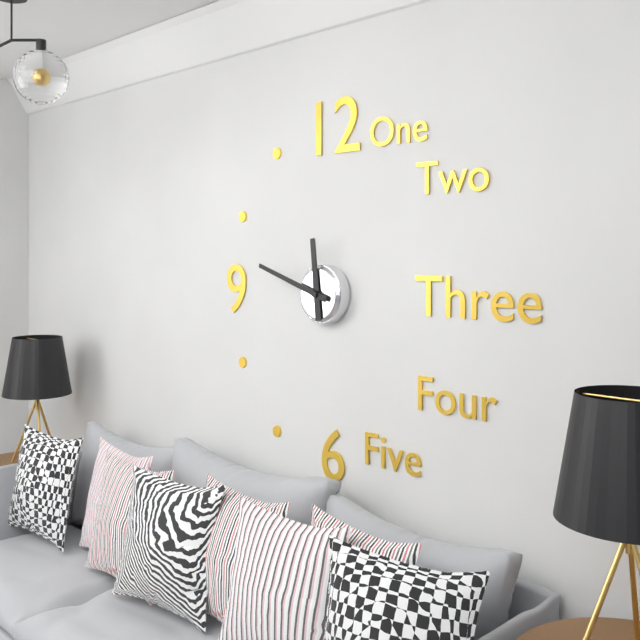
11:48
